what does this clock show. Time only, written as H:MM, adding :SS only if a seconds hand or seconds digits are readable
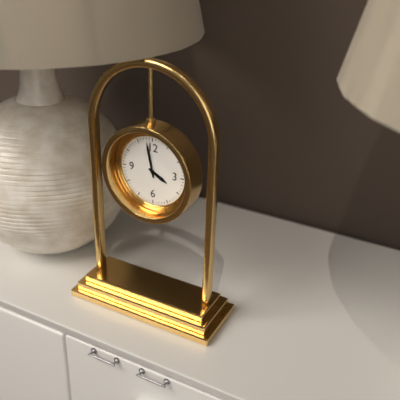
3:58
